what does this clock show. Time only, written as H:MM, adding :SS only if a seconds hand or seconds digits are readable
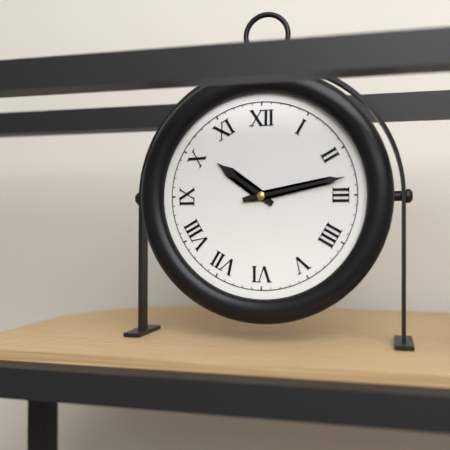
10:13
